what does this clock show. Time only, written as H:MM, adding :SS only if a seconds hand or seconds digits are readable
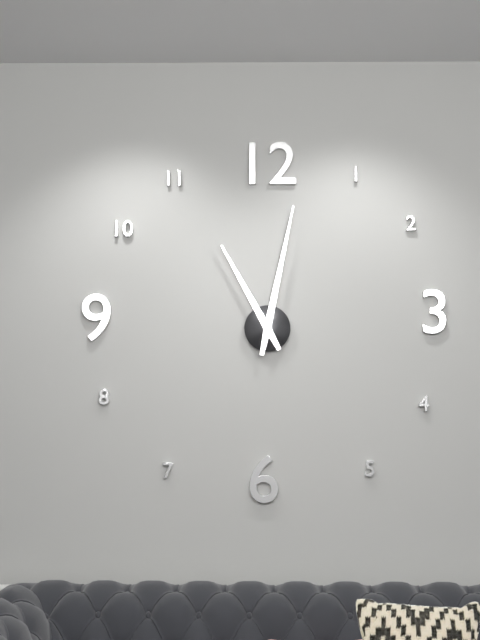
11:02
